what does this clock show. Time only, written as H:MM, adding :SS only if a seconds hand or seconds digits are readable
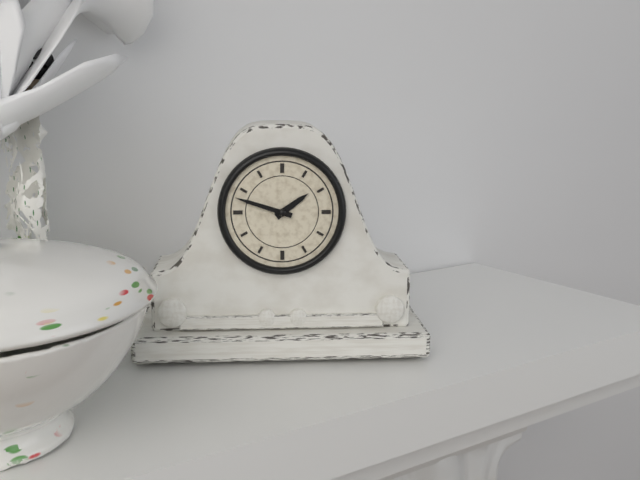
1:48
